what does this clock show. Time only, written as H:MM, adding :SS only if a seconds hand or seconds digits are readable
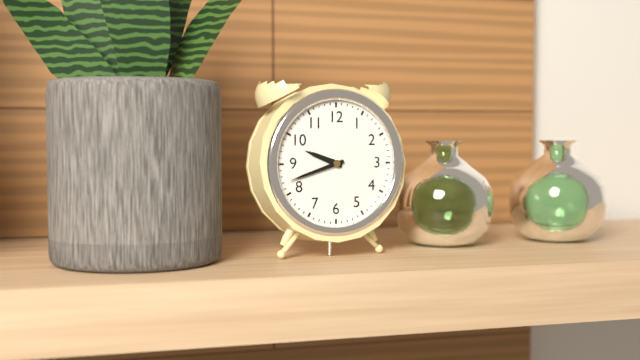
9:42
